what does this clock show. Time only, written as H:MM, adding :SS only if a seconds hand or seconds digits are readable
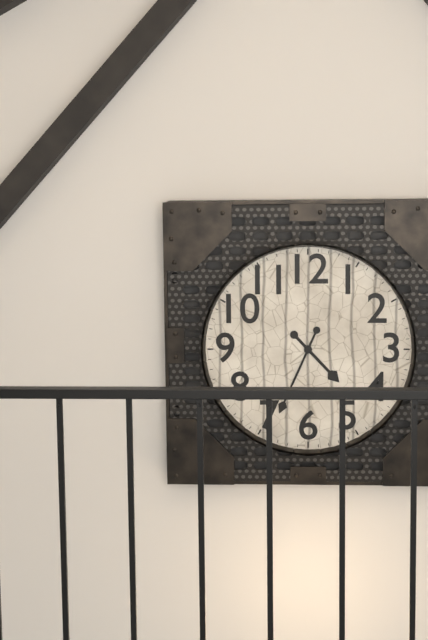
4:34
